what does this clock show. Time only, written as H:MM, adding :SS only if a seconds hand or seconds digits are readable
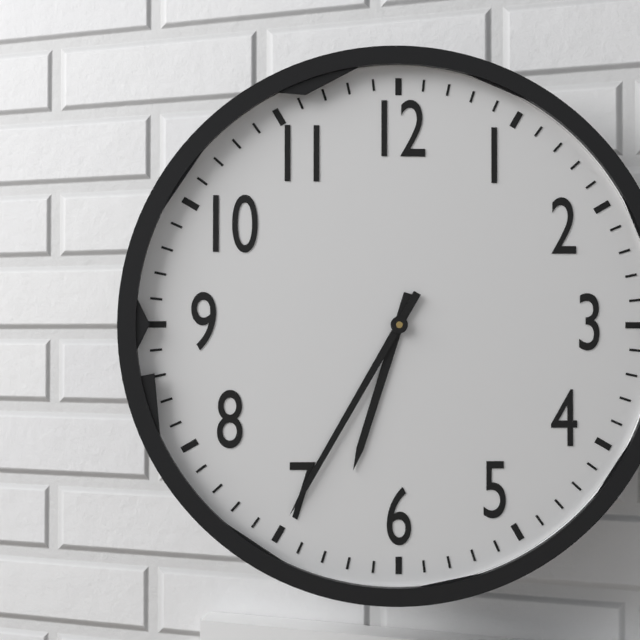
6:35
